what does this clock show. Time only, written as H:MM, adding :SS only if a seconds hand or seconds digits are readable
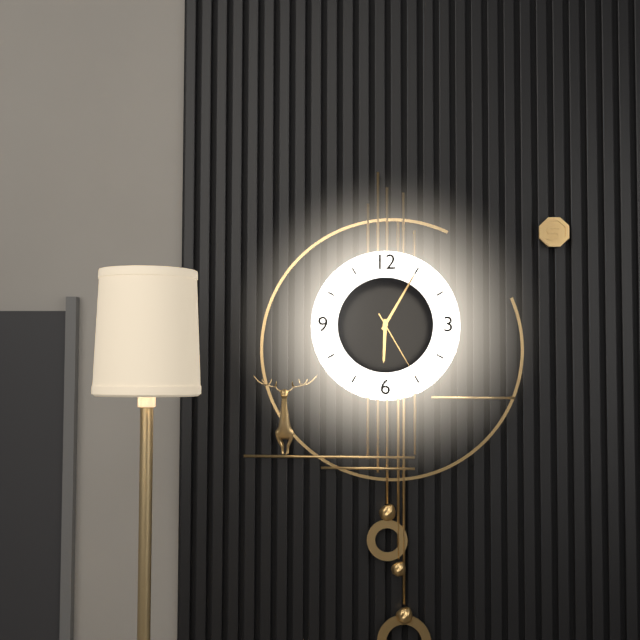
6:05:25
